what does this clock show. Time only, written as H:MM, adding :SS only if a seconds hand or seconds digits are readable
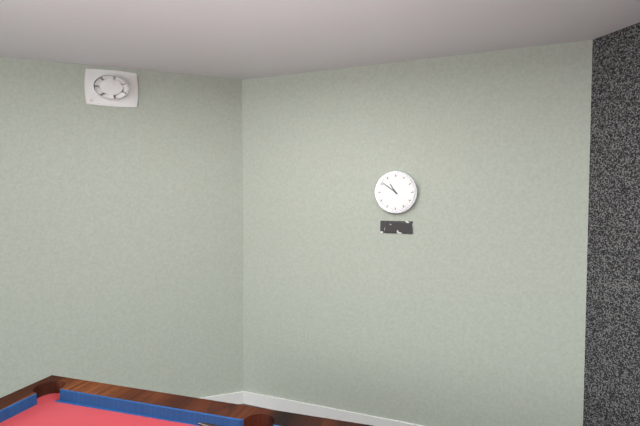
10:51
